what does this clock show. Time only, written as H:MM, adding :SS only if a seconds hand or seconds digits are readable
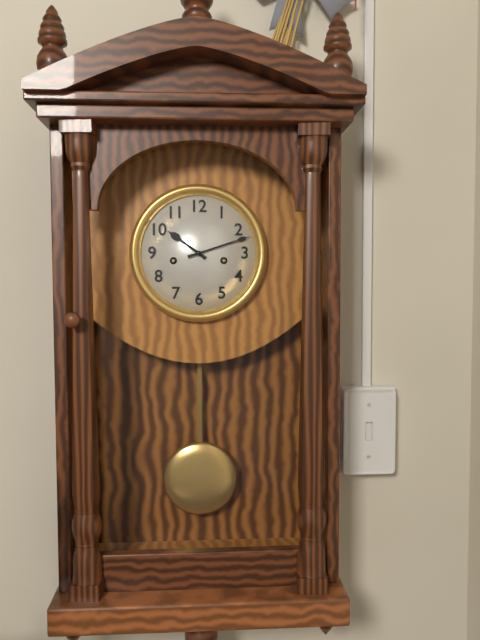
10:12
